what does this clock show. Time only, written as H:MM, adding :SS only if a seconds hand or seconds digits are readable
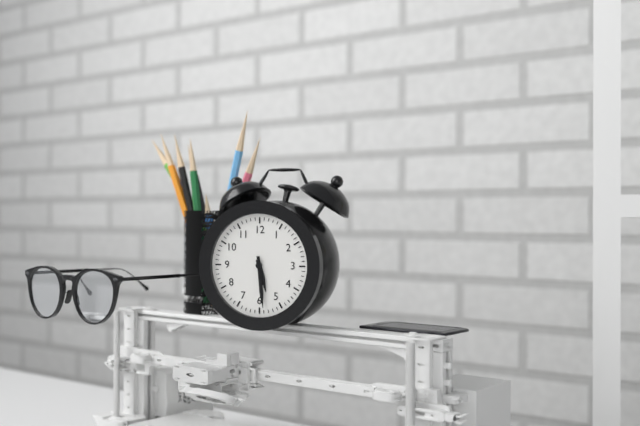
5:29
